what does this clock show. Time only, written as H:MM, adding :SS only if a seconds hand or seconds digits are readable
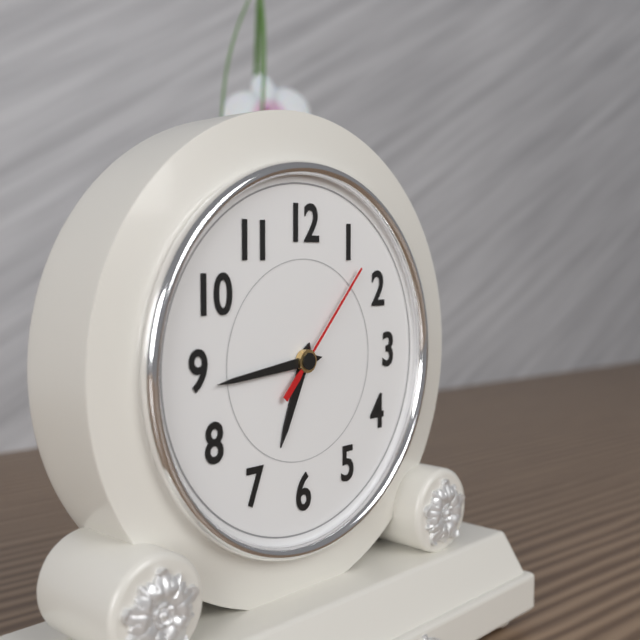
6:44:07
